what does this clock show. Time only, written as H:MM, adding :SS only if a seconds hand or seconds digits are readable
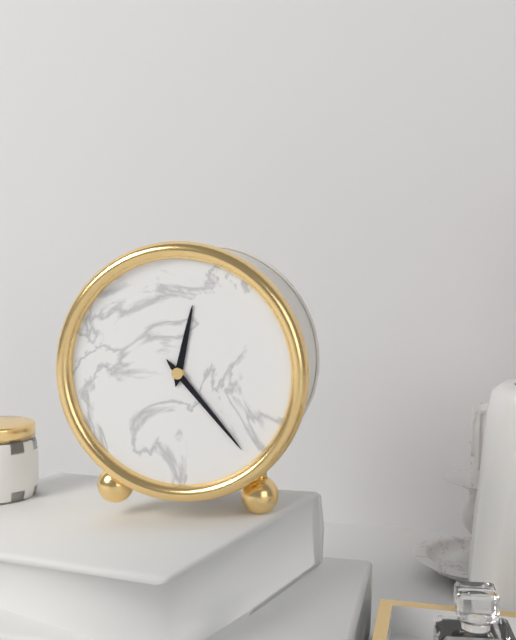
12:23
